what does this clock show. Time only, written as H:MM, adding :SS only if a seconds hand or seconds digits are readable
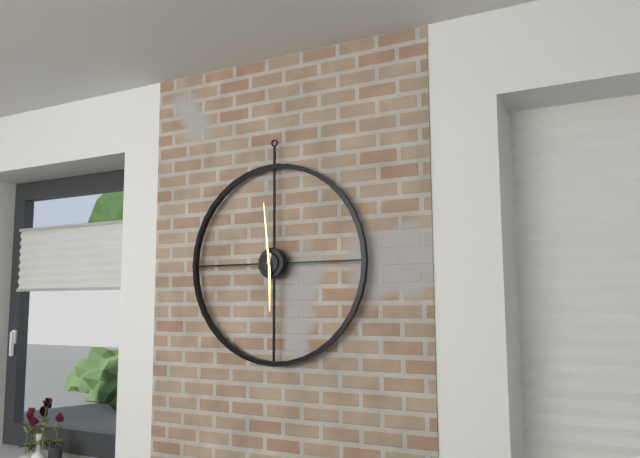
5:59
